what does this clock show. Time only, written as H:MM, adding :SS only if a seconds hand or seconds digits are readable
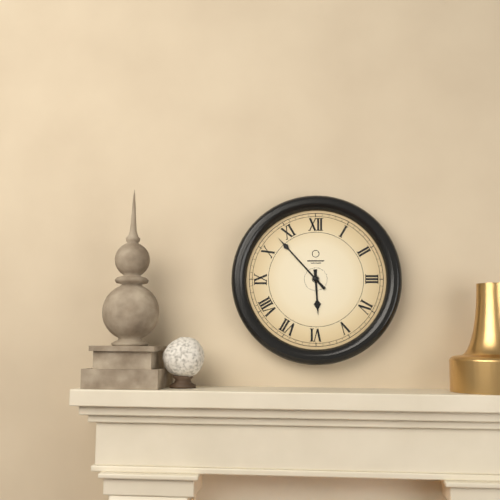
5:53
